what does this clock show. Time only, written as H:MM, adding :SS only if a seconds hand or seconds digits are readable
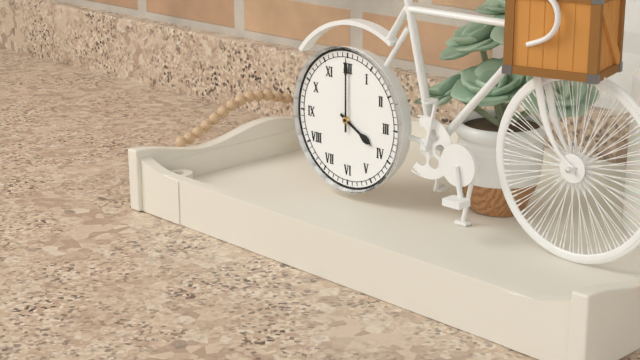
4:00
